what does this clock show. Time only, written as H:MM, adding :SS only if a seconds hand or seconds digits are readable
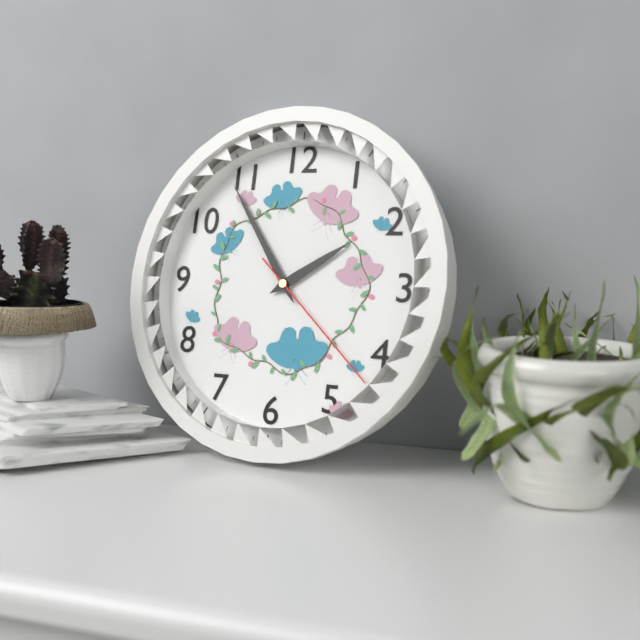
1:54:22
